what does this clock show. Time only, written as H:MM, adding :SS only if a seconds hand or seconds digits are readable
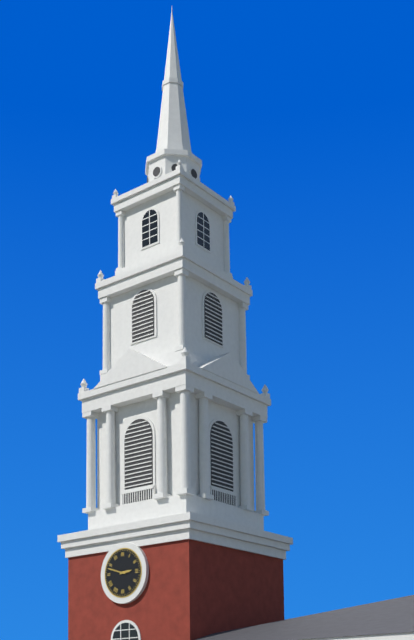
2:48
